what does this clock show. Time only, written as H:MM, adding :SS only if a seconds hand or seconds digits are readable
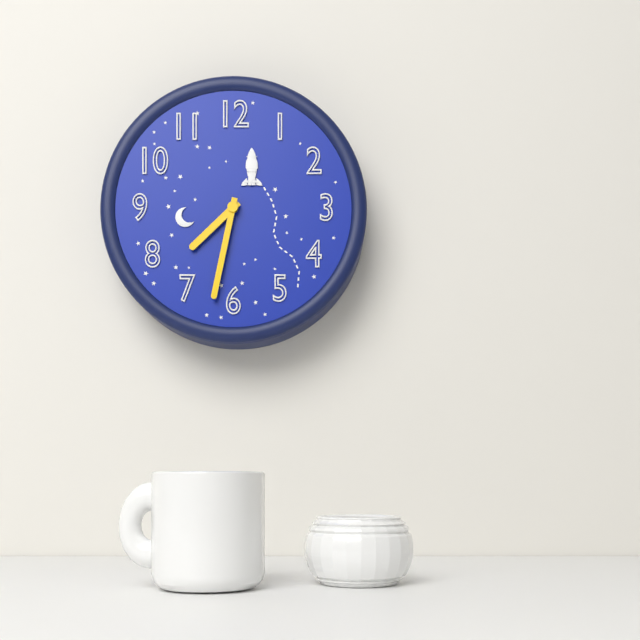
7:32
